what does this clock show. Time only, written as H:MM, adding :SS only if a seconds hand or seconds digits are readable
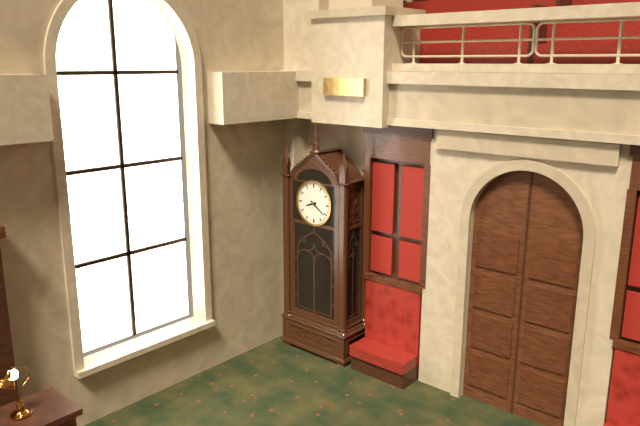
8:21
